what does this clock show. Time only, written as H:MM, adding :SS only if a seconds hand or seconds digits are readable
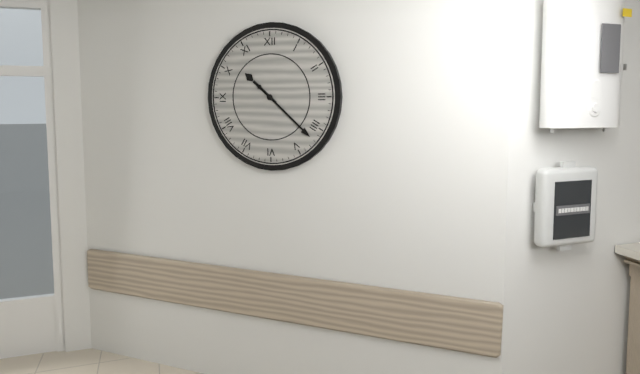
10:22
